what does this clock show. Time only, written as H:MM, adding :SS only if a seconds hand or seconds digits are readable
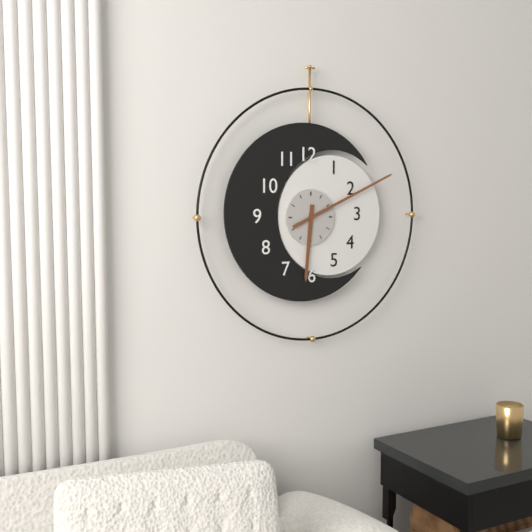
6:11
